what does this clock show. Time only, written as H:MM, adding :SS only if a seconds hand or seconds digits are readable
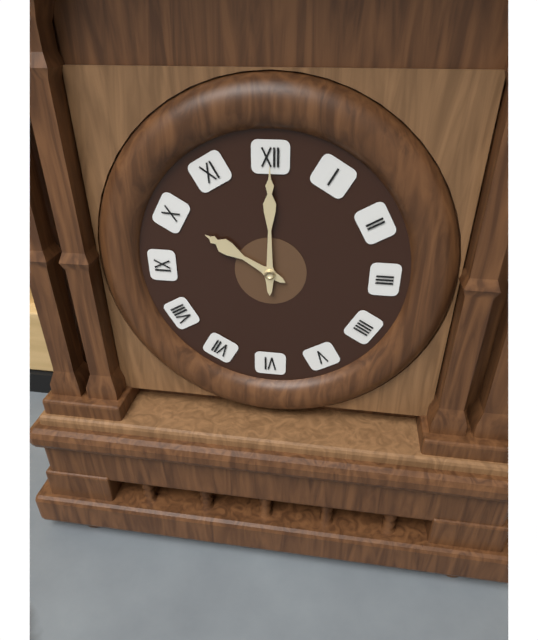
10:00
